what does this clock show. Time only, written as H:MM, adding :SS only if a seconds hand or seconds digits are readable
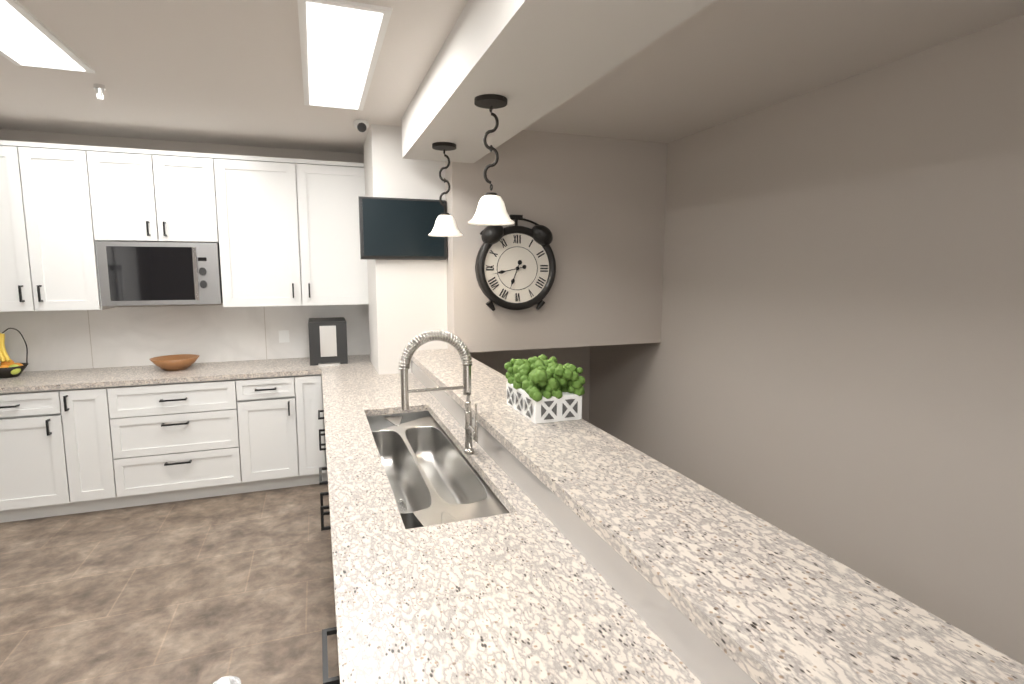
6:43
